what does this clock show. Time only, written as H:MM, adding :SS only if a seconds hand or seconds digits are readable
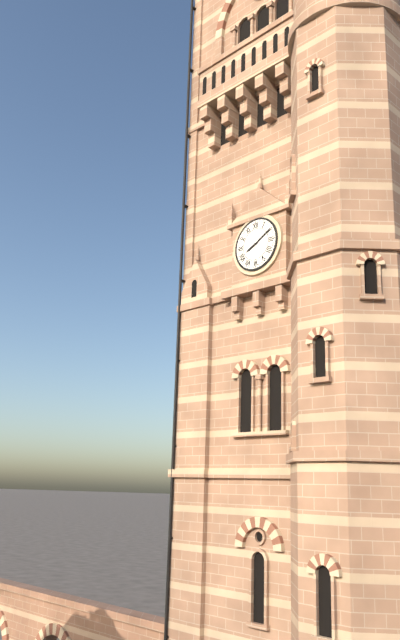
8:10
